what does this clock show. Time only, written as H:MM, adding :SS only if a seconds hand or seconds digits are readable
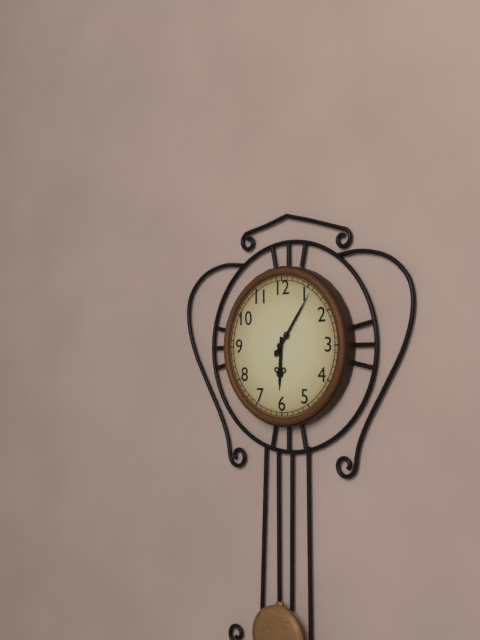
6:06
